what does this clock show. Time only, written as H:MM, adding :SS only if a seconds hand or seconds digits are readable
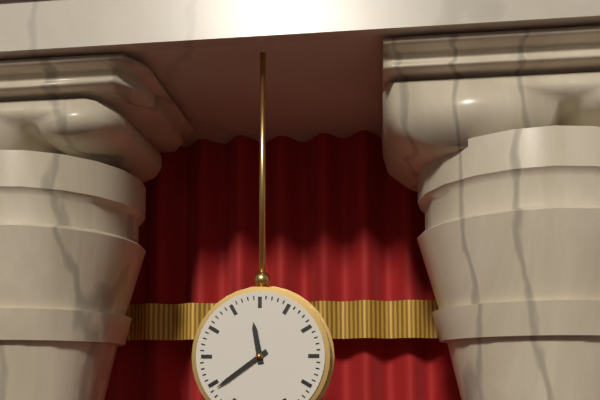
11:39
